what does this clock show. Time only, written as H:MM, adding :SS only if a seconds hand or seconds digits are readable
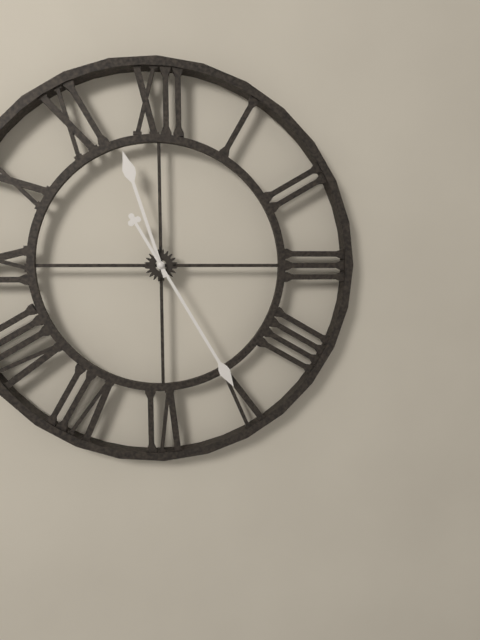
11:25
